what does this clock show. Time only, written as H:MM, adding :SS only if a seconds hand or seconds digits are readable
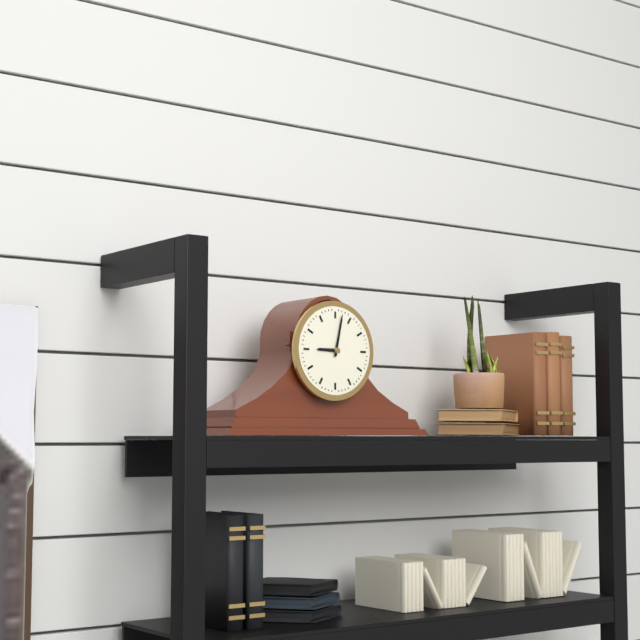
9:02
